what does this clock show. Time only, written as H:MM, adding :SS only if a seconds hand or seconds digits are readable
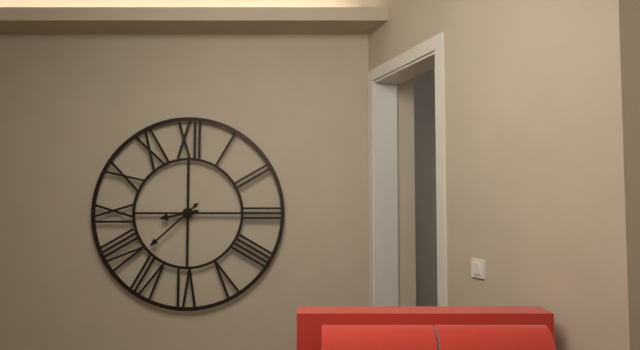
8:38
